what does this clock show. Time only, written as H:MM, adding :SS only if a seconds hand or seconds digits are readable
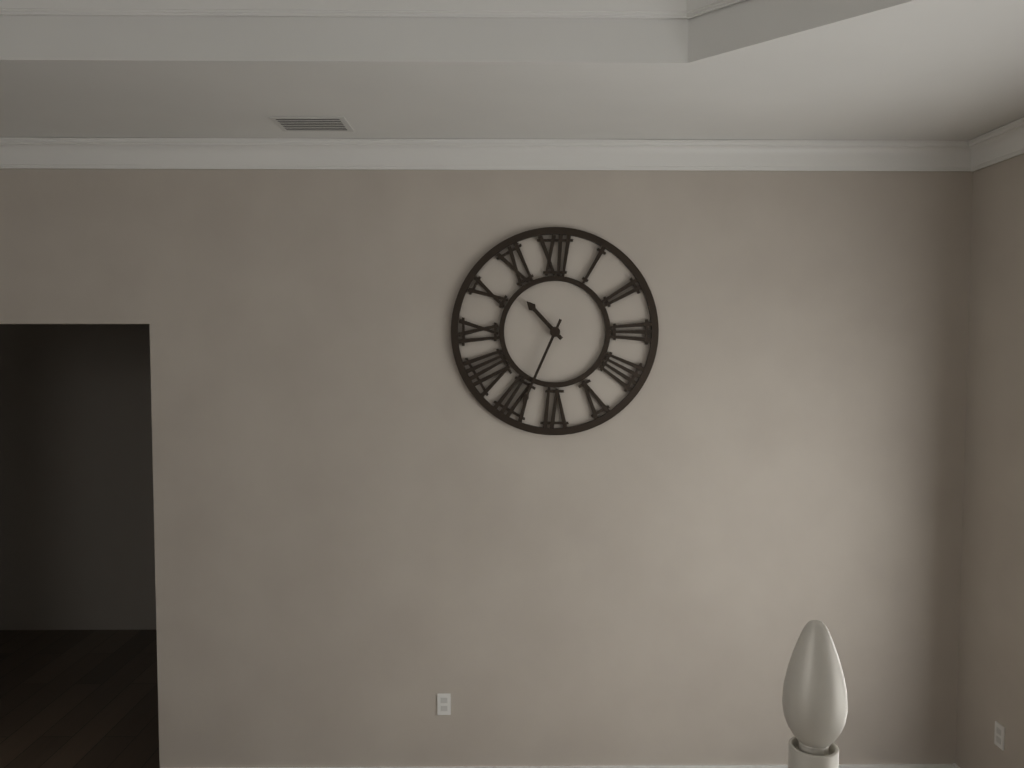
10:34
